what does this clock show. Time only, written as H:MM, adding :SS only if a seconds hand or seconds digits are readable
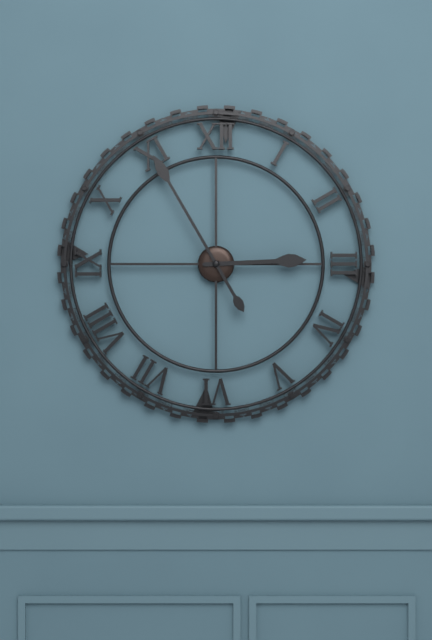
2:55
